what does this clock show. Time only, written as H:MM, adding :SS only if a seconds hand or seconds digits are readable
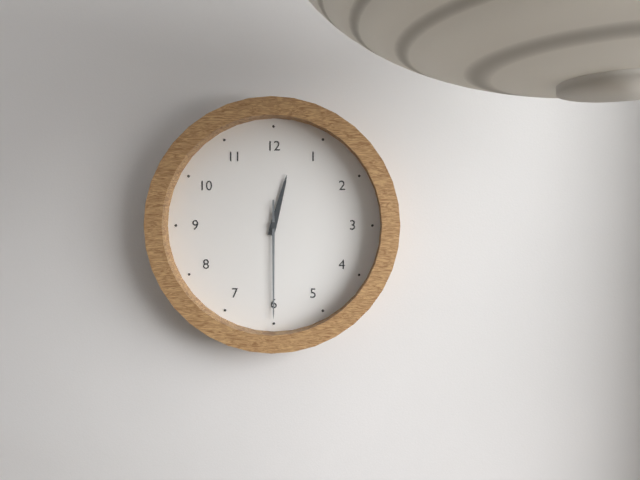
12:30
